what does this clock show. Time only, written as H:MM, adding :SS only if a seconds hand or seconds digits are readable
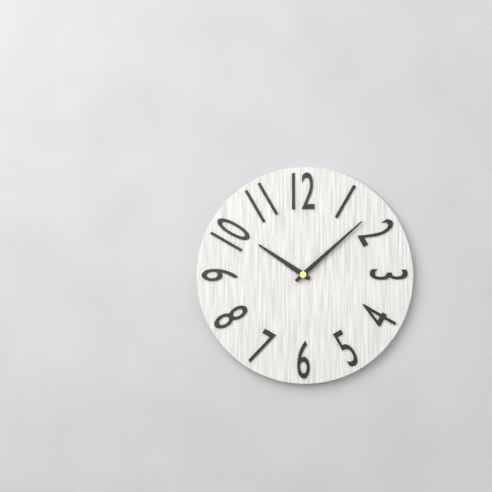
10:08
